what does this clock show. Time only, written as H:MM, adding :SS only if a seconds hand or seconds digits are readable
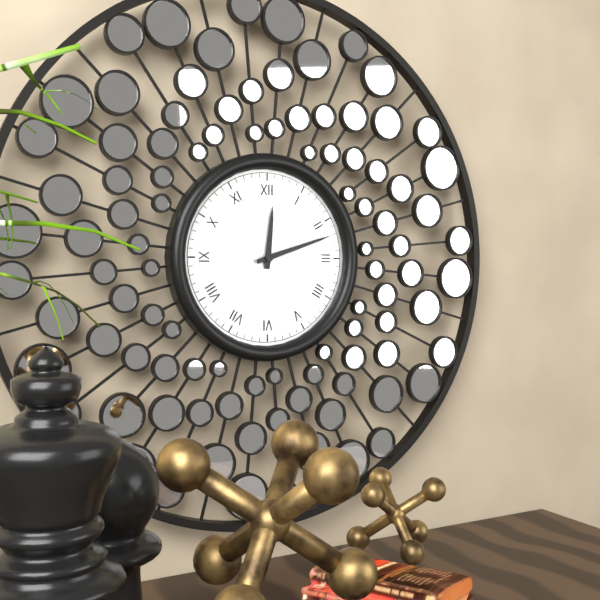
12:12
